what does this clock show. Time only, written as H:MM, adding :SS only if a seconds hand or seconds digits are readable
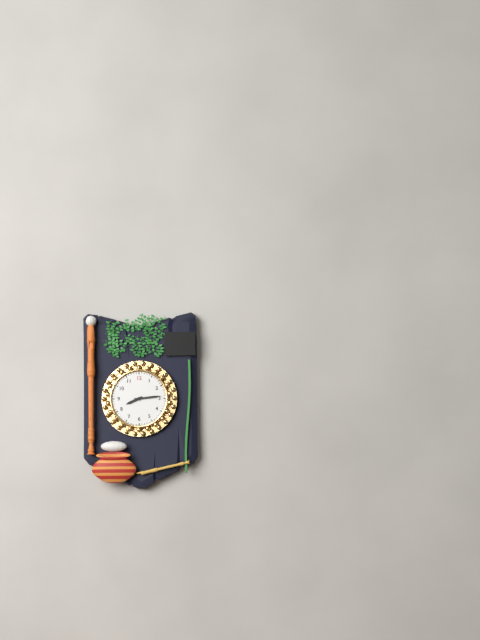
8:14
